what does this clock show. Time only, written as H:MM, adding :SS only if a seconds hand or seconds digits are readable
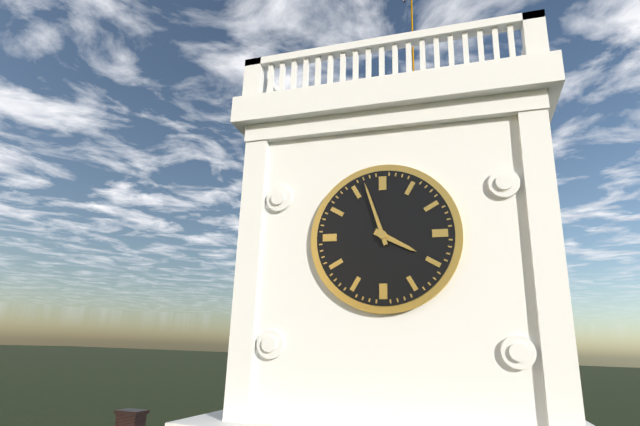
3:57
